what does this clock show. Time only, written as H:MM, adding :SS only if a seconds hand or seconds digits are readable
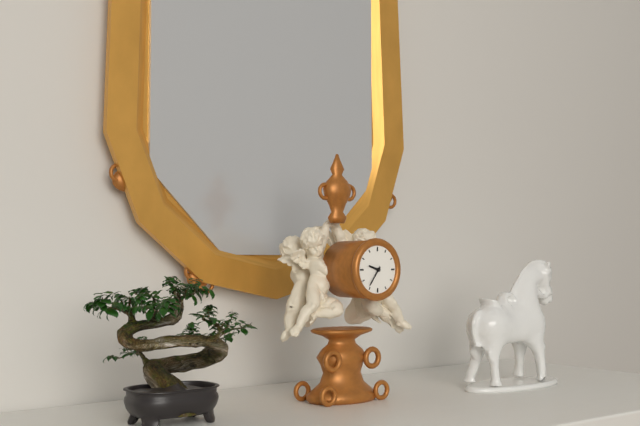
9:36
